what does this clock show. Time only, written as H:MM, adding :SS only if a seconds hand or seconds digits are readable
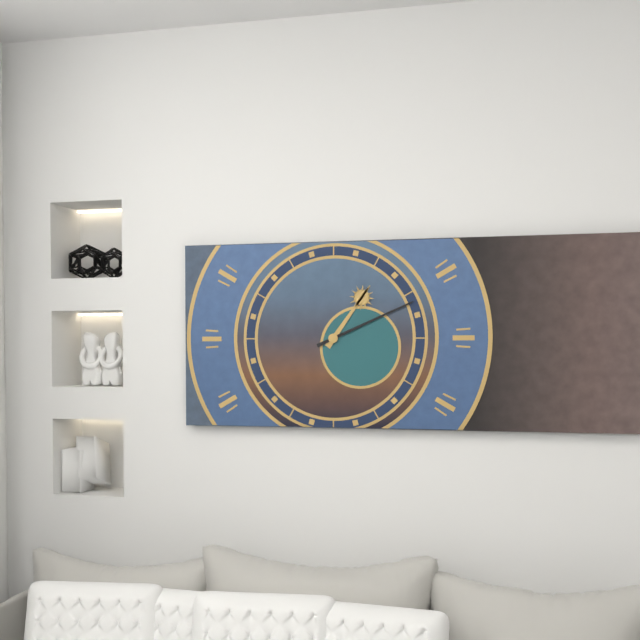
1:11
